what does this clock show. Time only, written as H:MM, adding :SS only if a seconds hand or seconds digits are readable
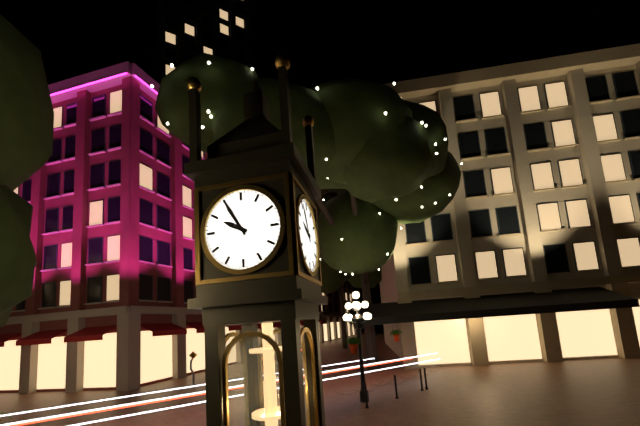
9:55
